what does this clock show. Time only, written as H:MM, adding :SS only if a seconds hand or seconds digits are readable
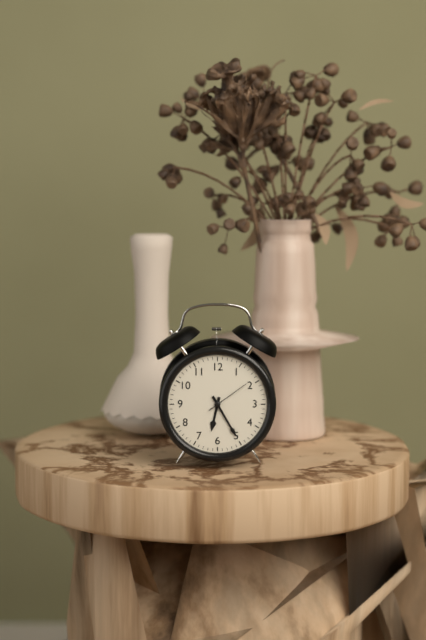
6:25
